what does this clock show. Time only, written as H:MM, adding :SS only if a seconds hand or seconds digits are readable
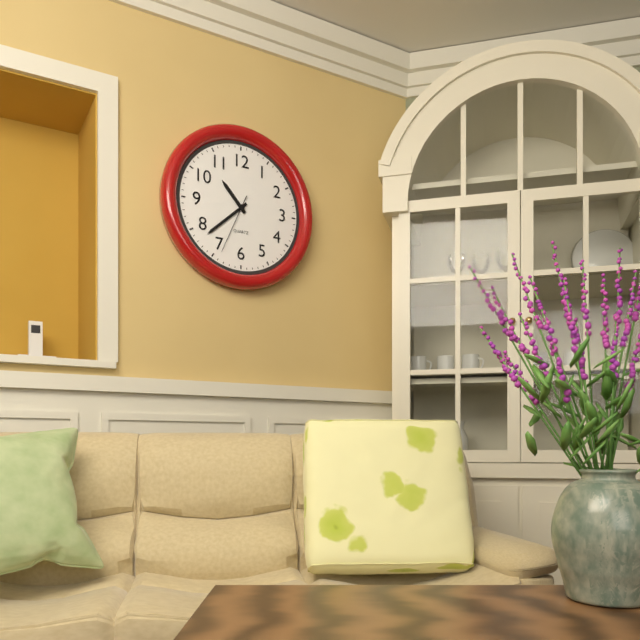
10:38:34
